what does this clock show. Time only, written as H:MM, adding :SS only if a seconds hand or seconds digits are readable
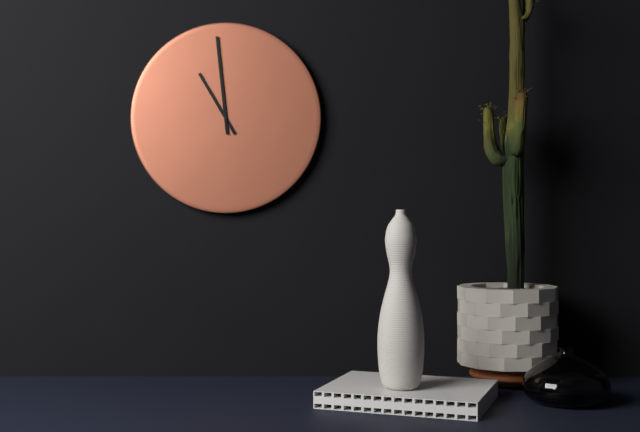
10:59
